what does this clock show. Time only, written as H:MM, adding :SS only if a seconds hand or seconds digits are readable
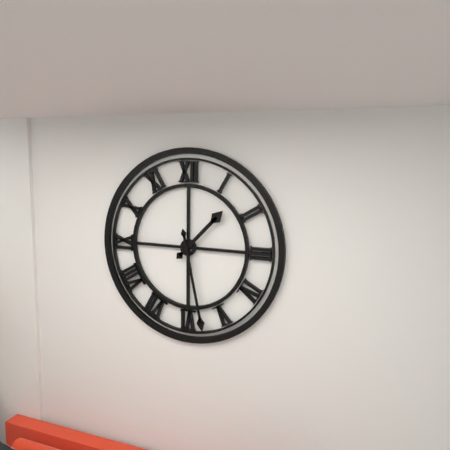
1:28
